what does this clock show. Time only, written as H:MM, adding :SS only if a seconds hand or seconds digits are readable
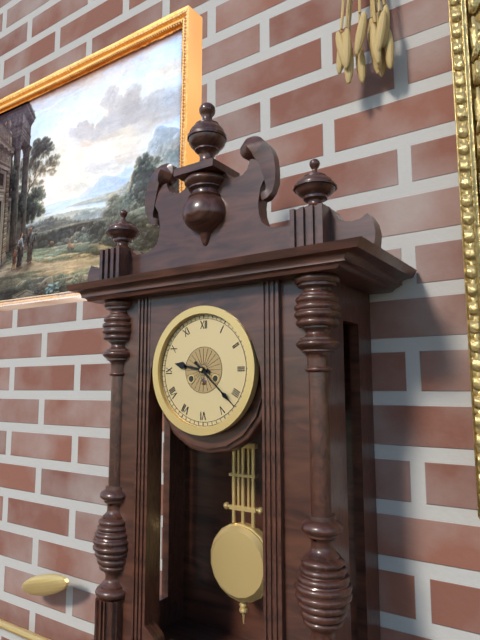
9:22
